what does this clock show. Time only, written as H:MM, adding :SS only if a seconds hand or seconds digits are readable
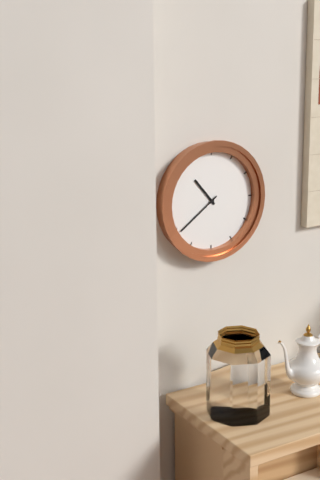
10:39
